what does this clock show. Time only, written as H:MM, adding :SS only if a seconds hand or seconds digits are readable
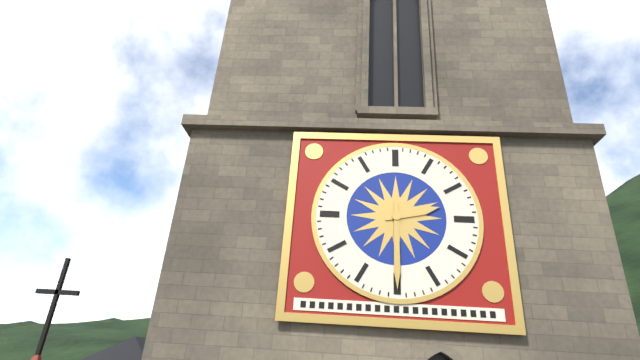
2:30
